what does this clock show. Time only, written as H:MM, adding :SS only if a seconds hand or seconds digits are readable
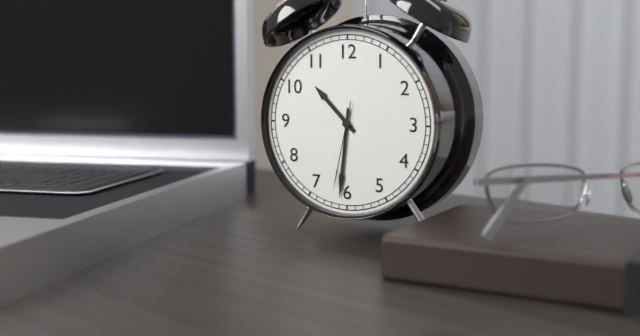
10:31:32
